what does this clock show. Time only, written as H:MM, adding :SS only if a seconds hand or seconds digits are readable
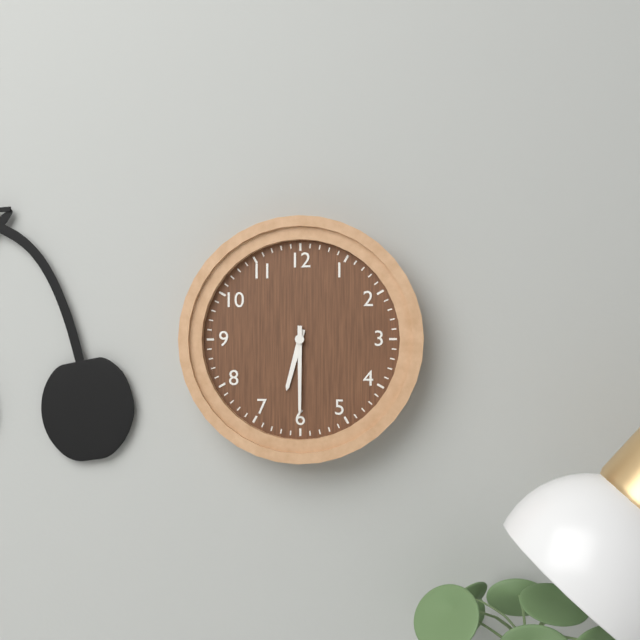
6:30
